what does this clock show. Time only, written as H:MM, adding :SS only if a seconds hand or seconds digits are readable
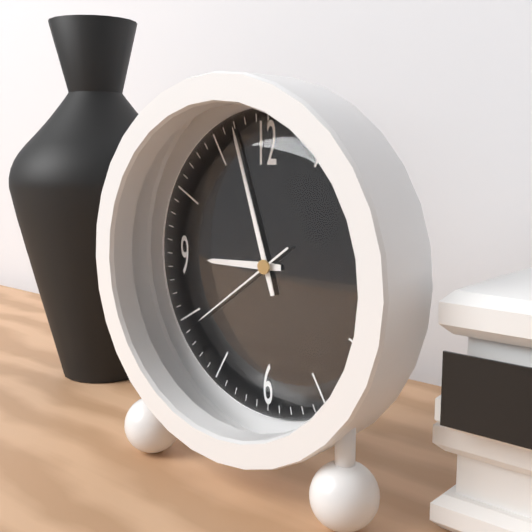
8:57:39
